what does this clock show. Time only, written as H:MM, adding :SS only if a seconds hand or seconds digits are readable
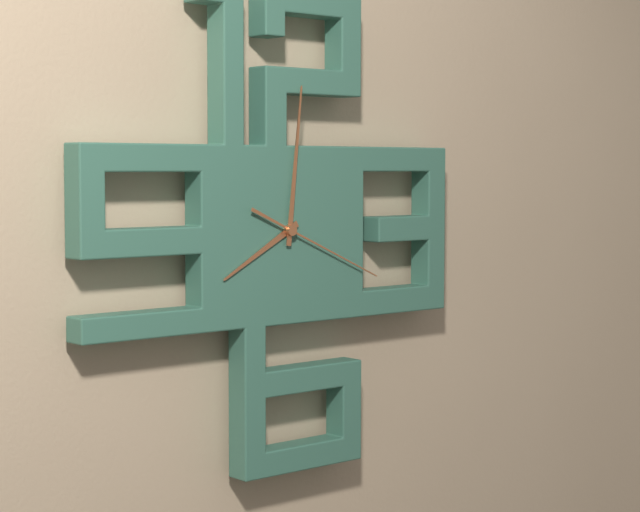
8:01:19
